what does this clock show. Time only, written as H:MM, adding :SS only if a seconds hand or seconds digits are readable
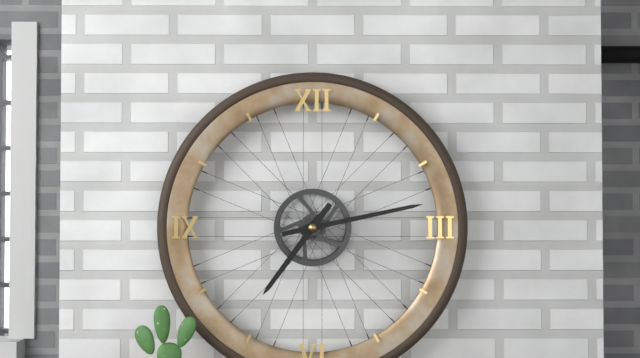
7:13
